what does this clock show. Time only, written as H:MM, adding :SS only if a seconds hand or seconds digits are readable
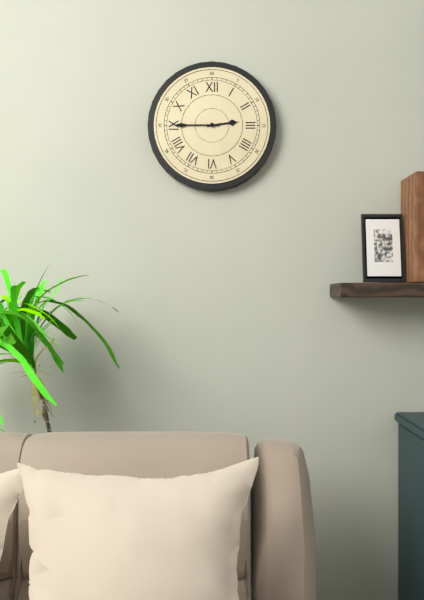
2:45
